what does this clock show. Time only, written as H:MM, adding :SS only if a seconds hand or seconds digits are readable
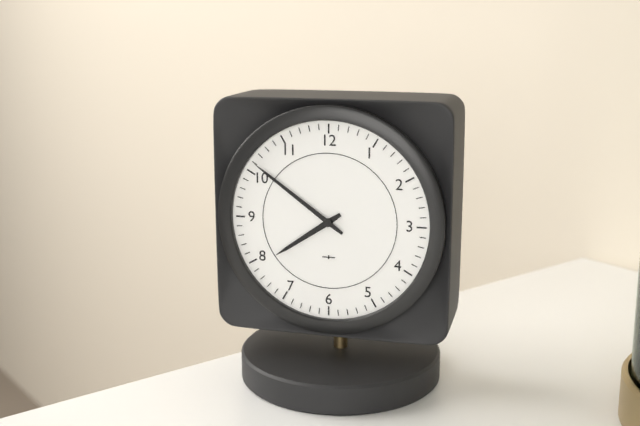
7:51
